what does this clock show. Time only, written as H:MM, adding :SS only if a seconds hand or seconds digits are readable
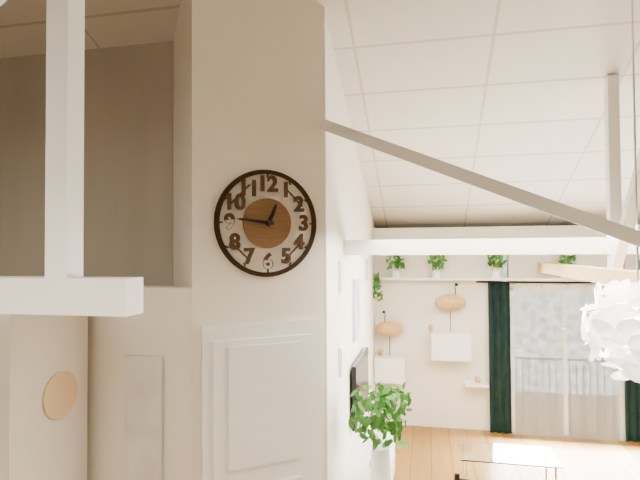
12:46
